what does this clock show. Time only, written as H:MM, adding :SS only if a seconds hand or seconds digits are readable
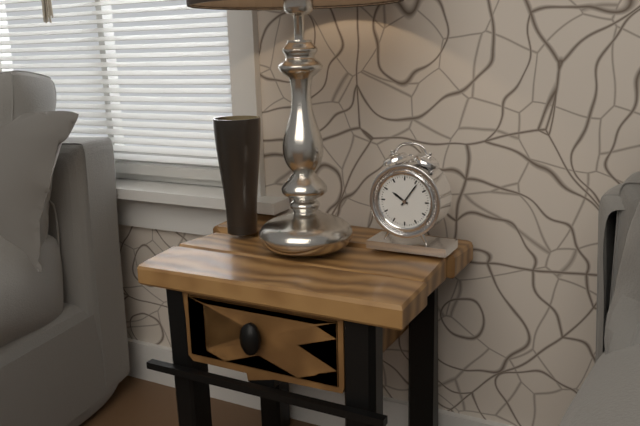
10:06
